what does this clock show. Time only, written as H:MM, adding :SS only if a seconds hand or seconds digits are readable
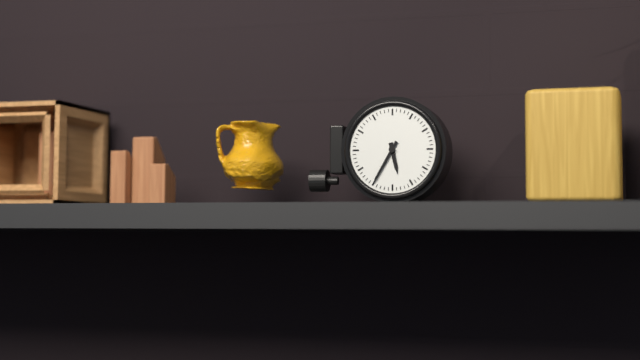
5:35
